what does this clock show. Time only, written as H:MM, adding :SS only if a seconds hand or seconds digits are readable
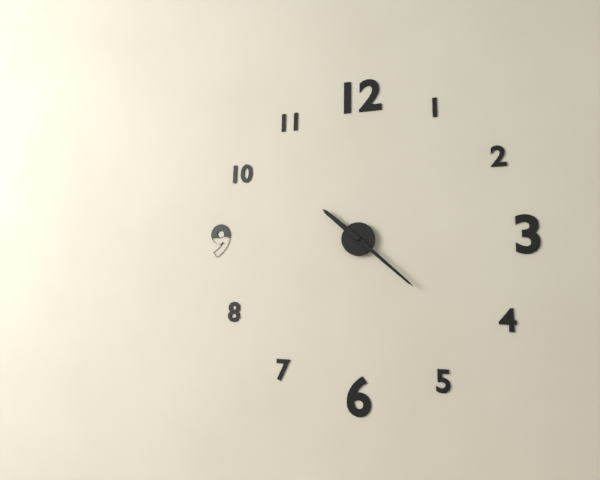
10:22
